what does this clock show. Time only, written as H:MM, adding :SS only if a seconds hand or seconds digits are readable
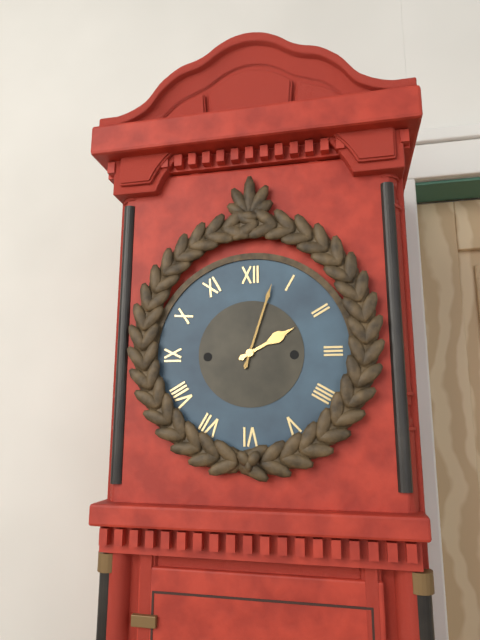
2:03
